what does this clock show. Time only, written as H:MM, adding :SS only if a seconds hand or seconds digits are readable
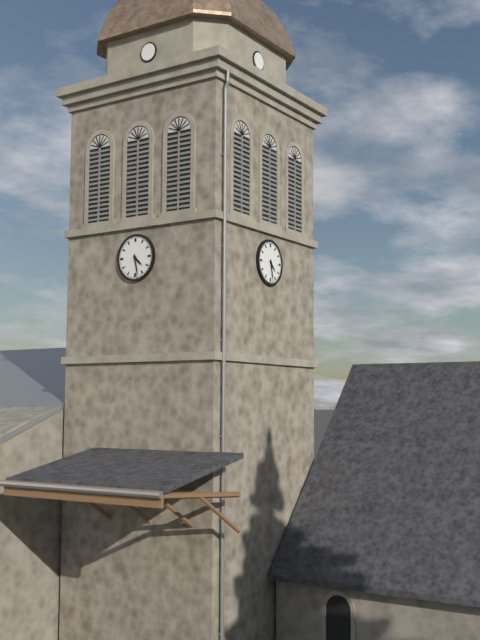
4:28
